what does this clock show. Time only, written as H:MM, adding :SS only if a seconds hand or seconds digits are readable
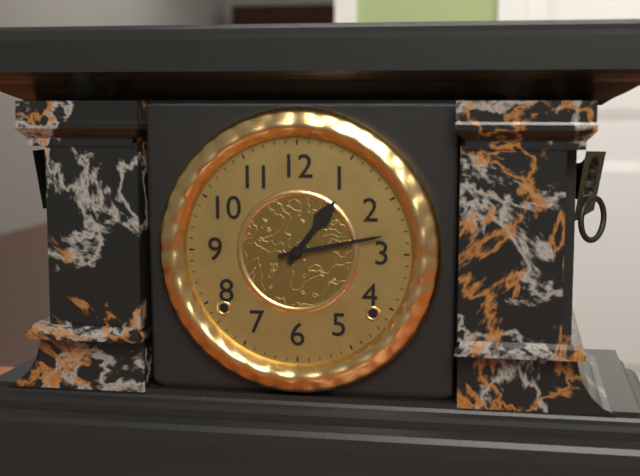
1:13
